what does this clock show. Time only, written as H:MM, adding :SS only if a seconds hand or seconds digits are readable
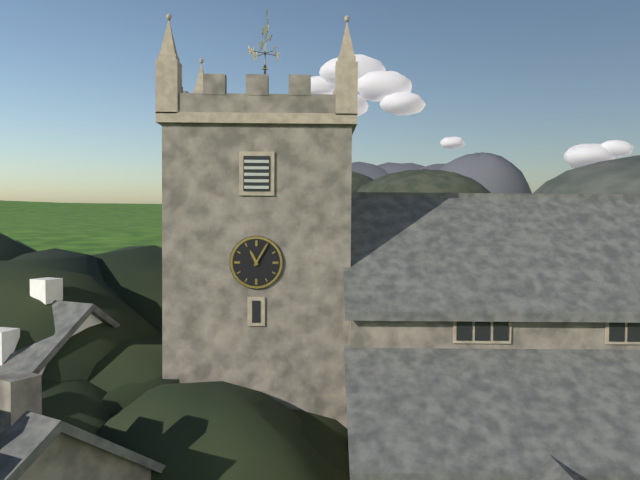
11:05
